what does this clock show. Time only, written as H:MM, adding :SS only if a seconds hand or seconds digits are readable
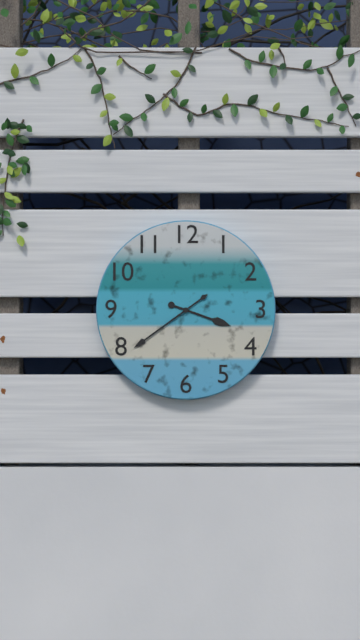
3:39
